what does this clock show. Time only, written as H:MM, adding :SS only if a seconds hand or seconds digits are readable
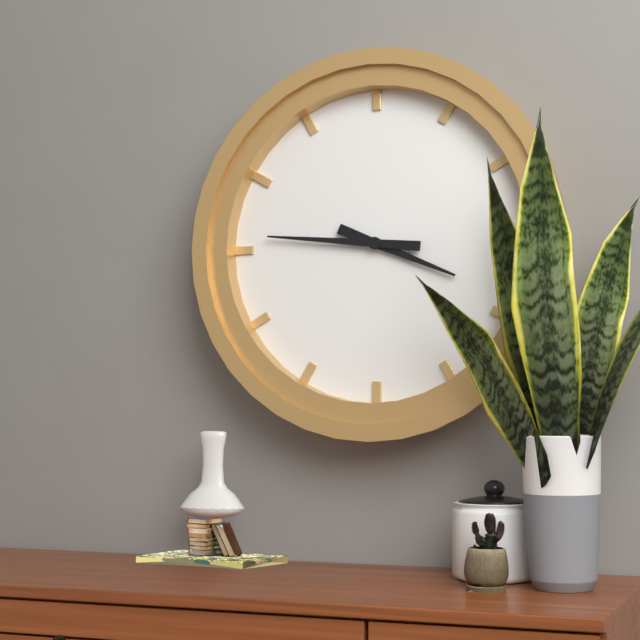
3:46
